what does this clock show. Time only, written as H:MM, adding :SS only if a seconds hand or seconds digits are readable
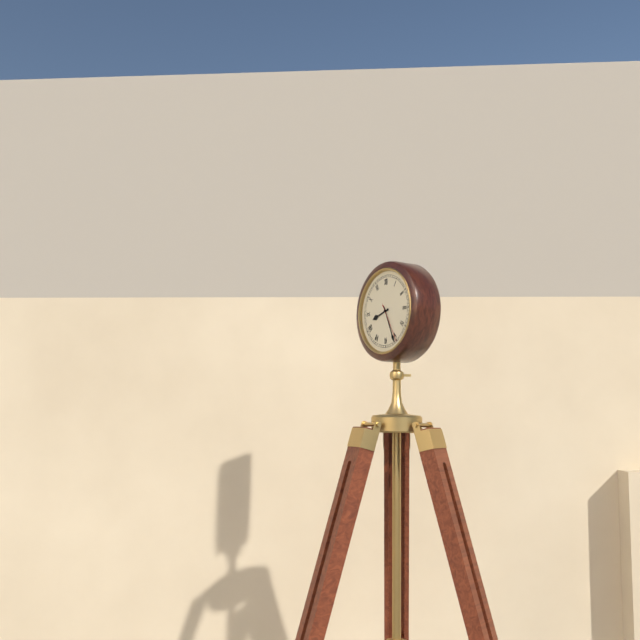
8:26
